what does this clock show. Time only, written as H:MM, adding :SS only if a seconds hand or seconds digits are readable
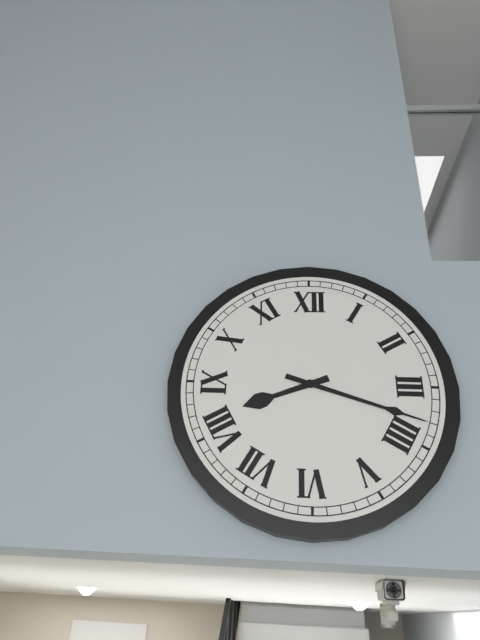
8:18
